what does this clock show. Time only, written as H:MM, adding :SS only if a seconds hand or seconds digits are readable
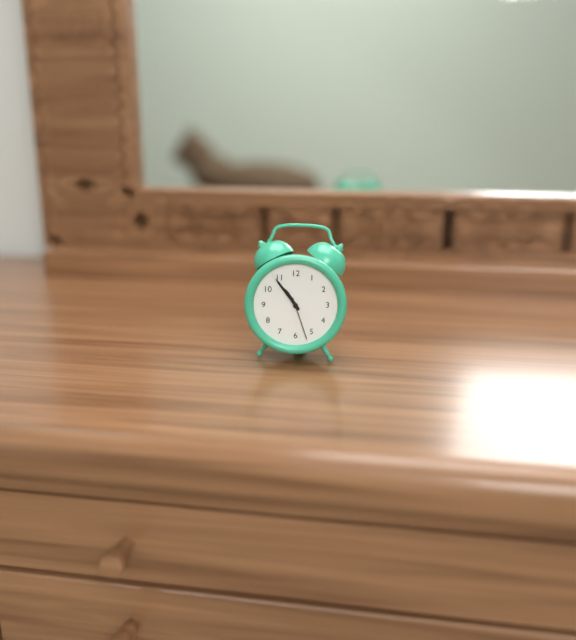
10:54
